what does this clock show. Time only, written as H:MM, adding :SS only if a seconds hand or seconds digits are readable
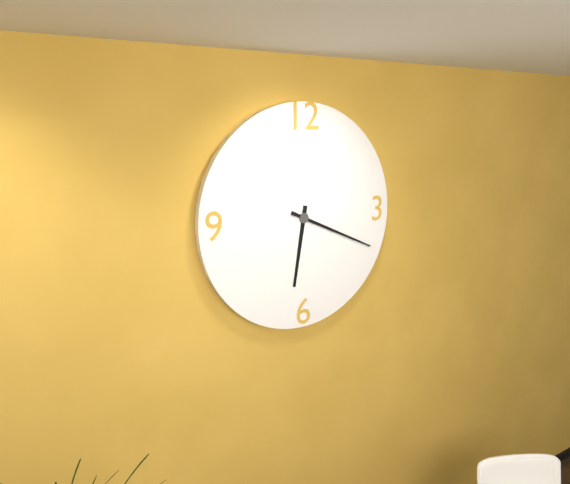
6:19
